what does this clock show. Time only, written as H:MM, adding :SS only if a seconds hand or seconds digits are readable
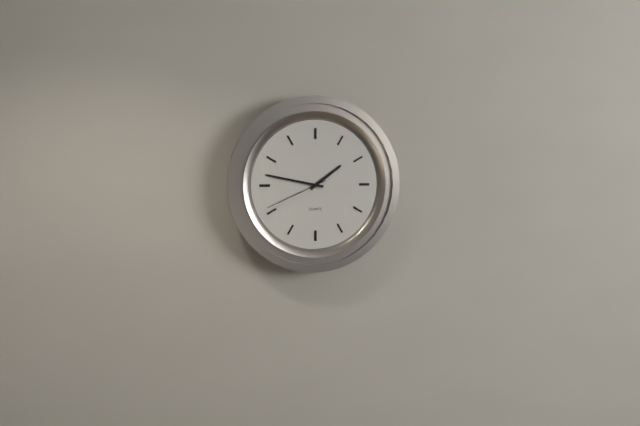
1:47:41
